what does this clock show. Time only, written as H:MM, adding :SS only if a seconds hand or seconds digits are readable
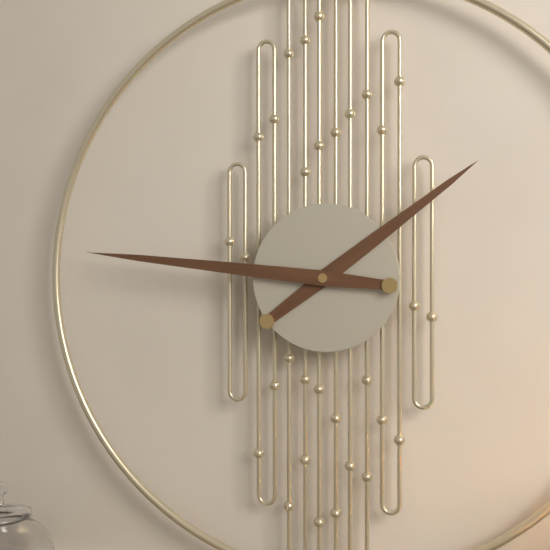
1:46
